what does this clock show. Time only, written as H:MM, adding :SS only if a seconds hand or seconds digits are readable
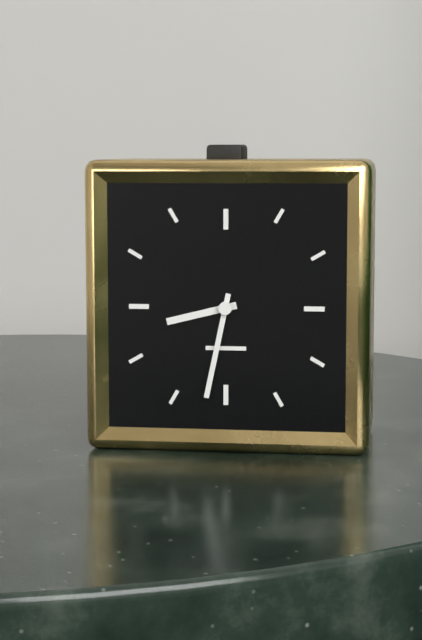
8:32
